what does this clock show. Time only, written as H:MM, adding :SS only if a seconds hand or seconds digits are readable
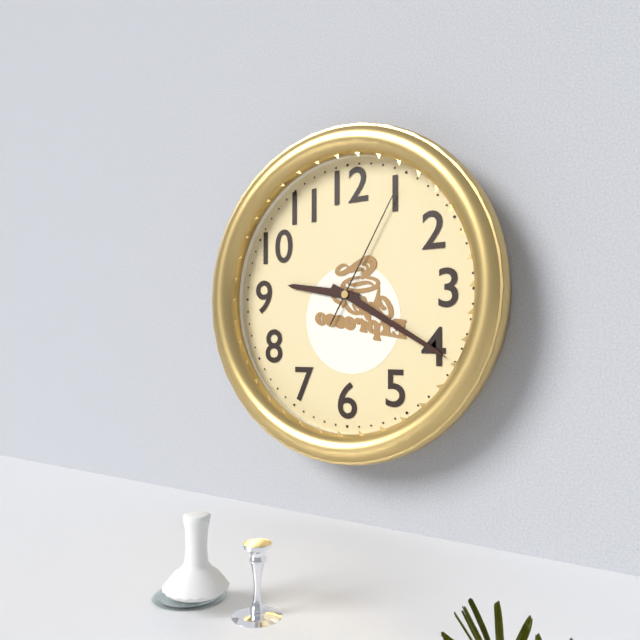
9:20:05
